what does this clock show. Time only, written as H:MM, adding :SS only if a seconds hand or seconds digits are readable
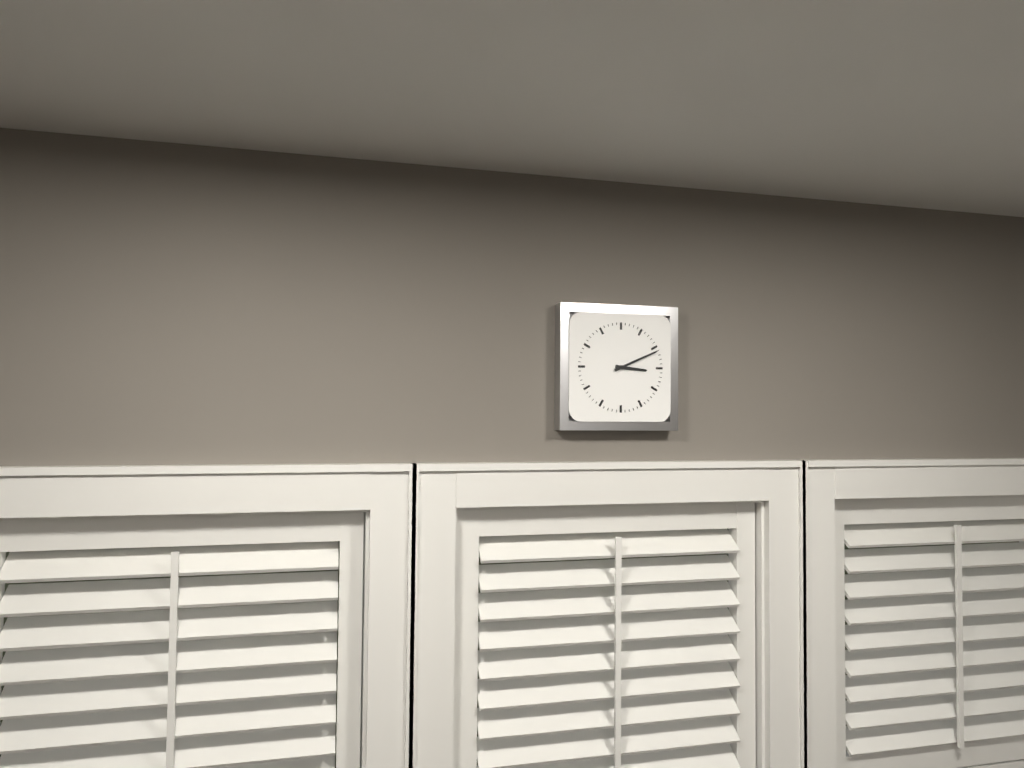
3:11
